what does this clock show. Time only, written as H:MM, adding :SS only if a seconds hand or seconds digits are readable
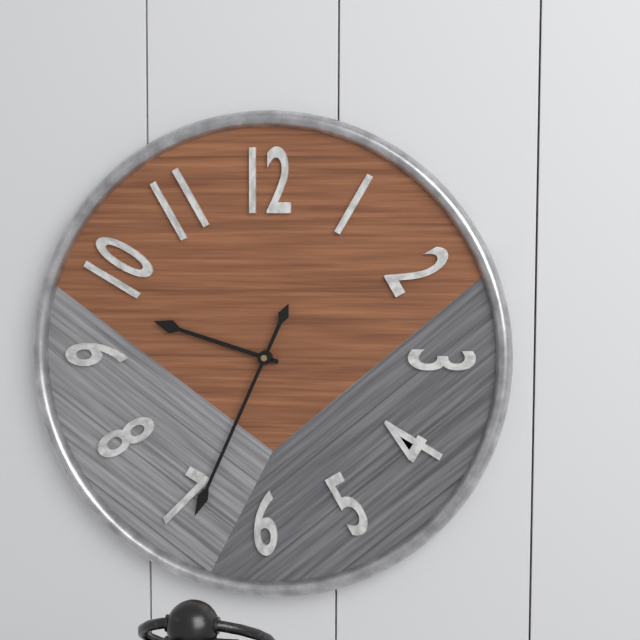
9:34
